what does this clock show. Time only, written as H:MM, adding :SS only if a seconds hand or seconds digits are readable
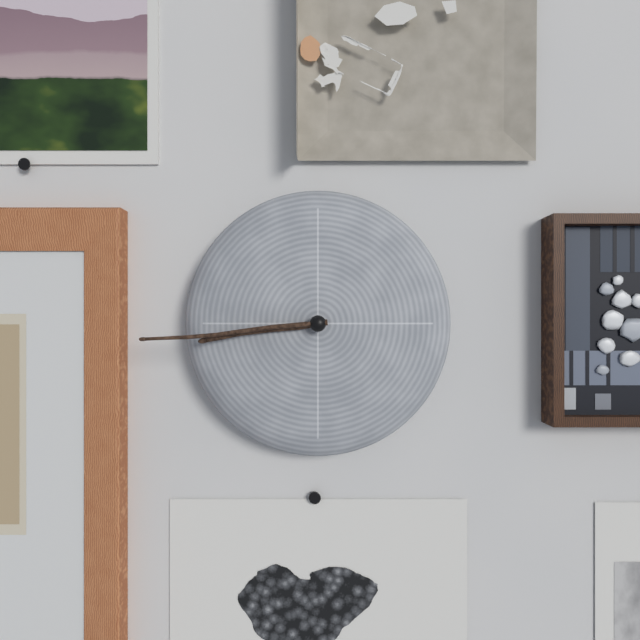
8:44
